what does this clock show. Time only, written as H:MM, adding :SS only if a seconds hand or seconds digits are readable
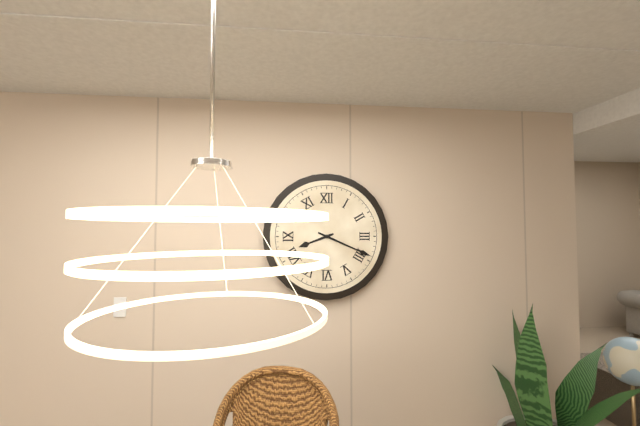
8:19
